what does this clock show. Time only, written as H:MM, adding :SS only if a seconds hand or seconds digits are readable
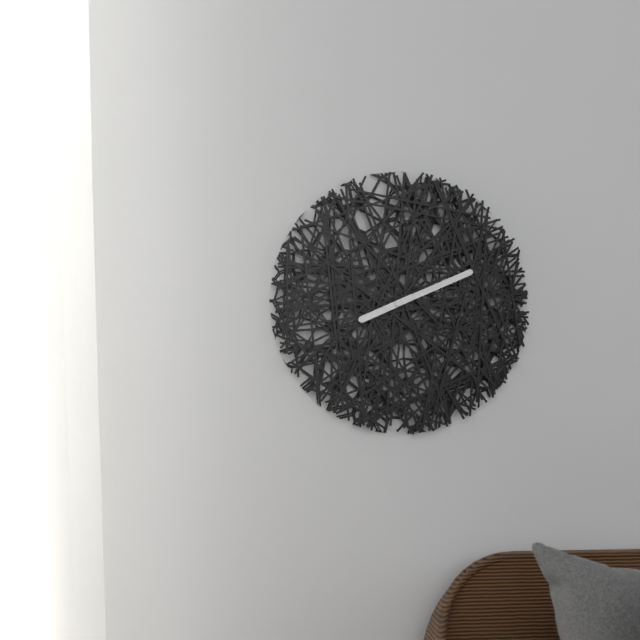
8:11
